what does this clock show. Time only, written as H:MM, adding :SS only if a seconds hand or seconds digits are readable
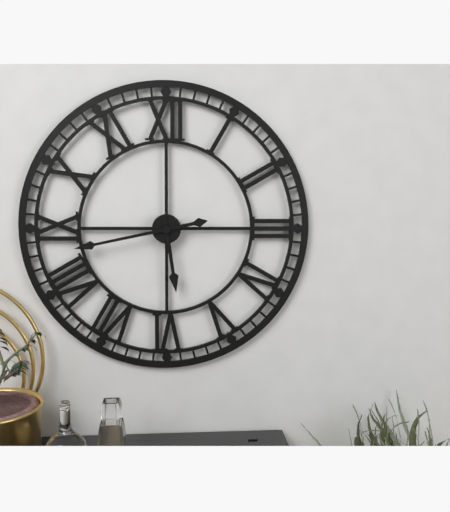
5:43
